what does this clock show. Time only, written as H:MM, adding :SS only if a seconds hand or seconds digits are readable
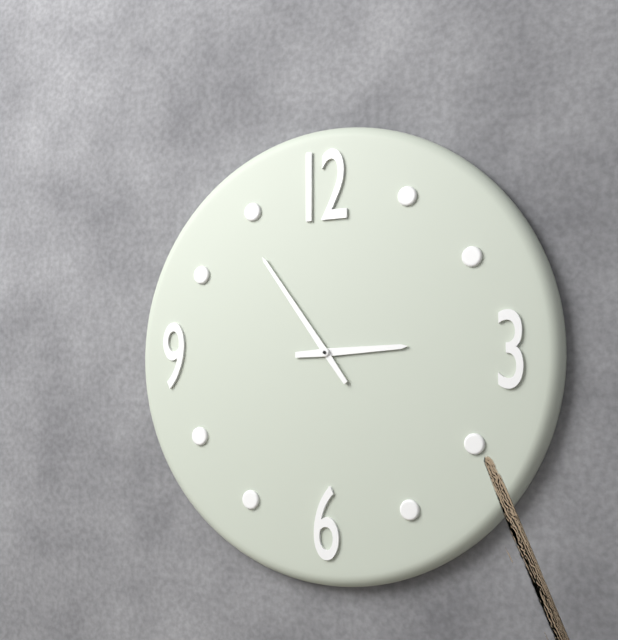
2:54
